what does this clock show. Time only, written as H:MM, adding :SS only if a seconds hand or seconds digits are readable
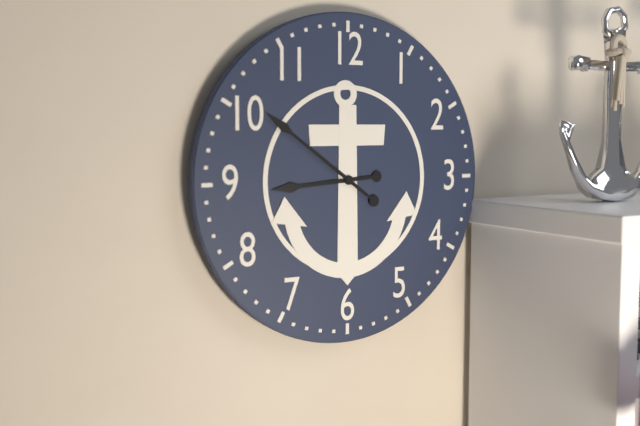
8:51
